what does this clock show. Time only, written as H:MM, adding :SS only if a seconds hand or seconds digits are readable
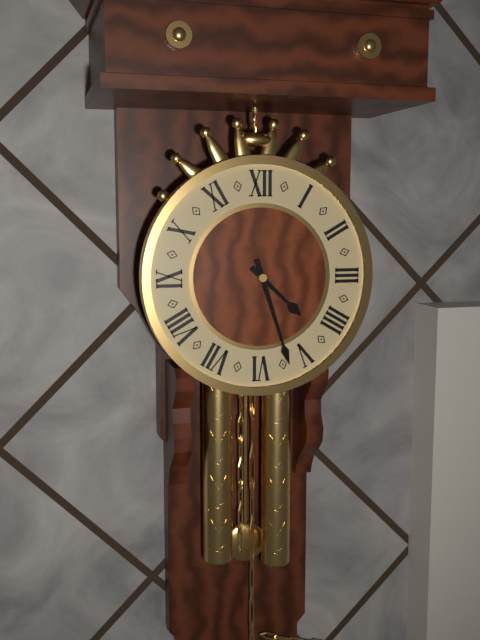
4:27
